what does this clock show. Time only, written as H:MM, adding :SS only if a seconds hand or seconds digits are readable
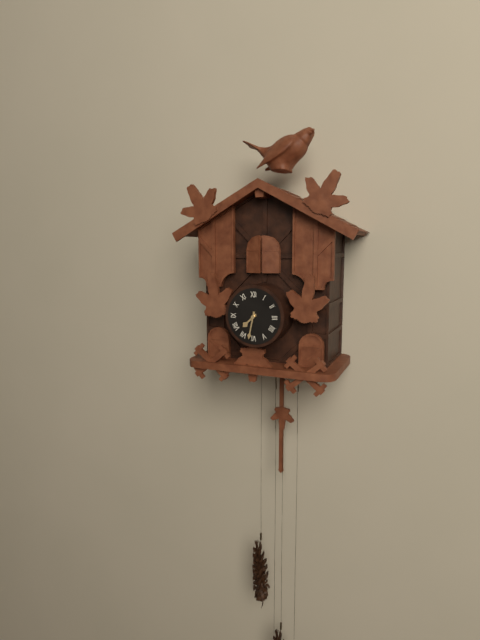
7:32
